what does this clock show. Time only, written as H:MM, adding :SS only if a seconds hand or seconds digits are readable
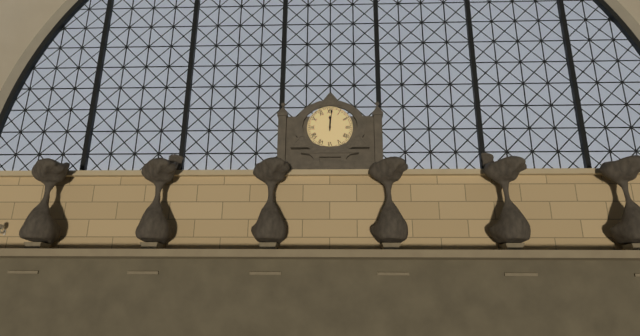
12:01
